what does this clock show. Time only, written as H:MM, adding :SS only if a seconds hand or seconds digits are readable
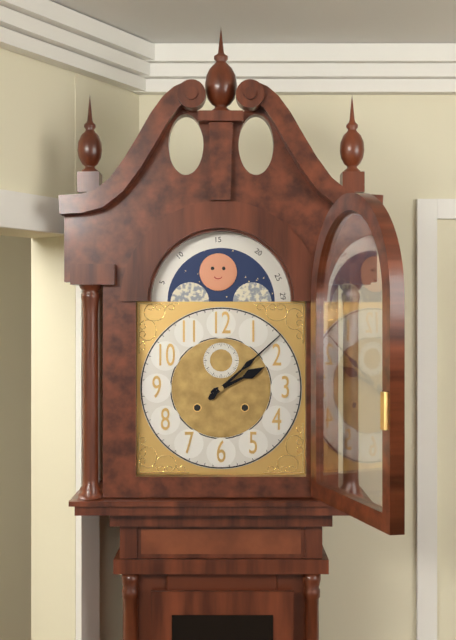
2:08
